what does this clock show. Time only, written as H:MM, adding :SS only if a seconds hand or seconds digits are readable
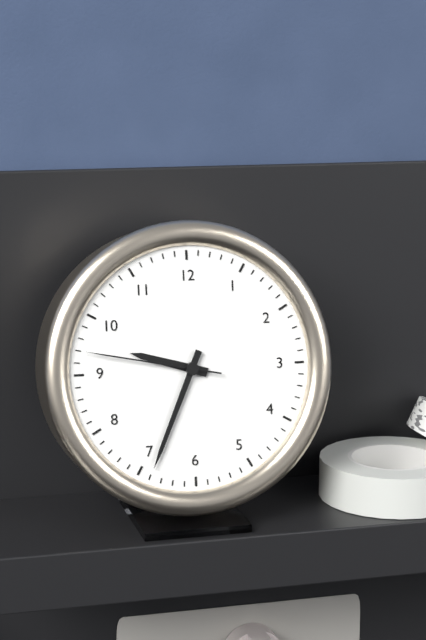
9:34:47
